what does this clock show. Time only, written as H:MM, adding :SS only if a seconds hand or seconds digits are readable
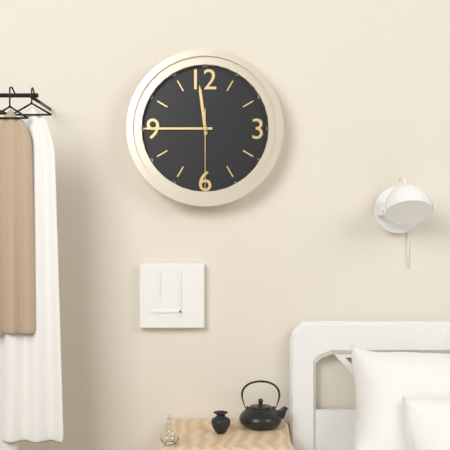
11:45:30
